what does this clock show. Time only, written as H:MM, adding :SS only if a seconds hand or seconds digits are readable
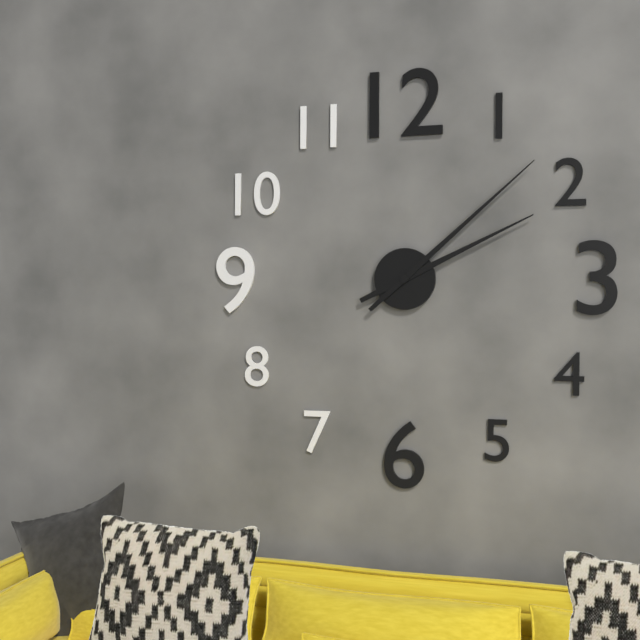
2:08
